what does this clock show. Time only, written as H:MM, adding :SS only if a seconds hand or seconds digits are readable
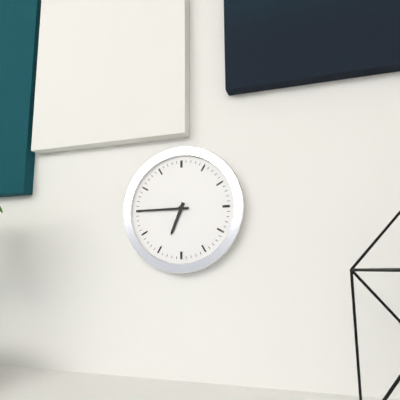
6:45
